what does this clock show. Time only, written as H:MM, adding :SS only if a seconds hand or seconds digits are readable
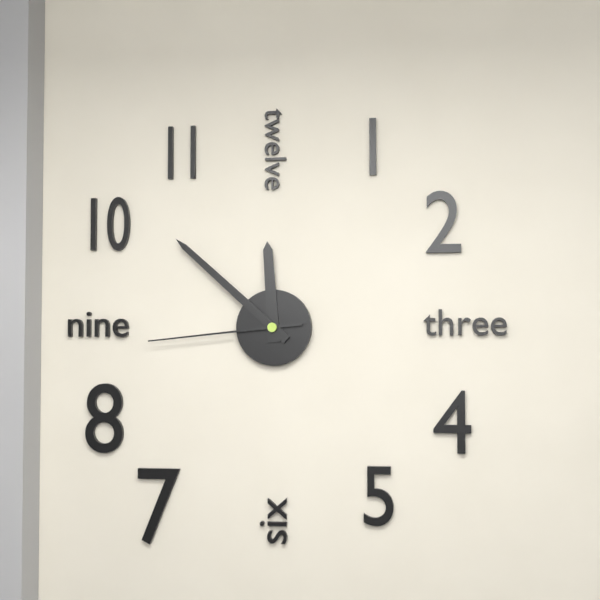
11:52:44
